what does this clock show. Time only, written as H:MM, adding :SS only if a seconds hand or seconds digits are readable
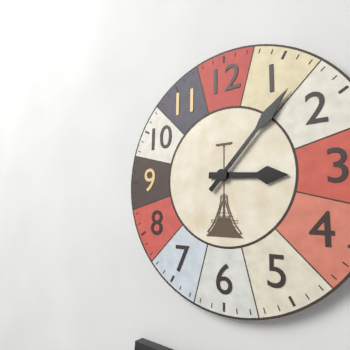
3:07
